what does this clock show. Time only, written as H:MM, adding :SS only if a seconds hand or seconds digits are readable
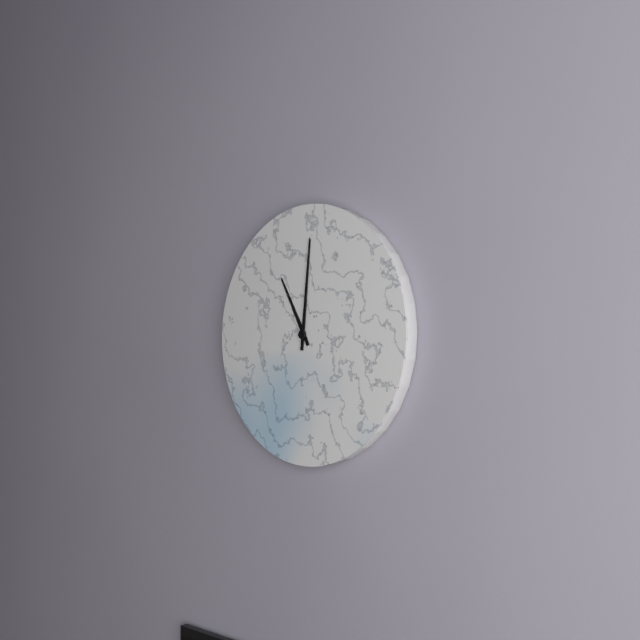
11:01
